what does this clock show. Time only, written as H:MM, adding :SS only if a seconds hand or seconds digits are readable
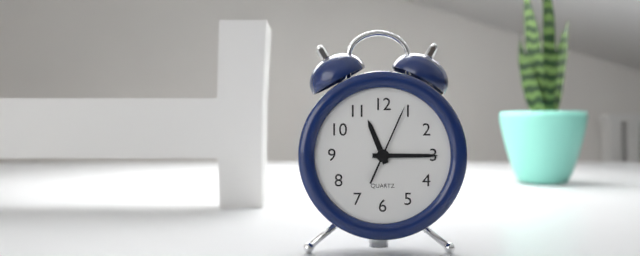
11:15:04
